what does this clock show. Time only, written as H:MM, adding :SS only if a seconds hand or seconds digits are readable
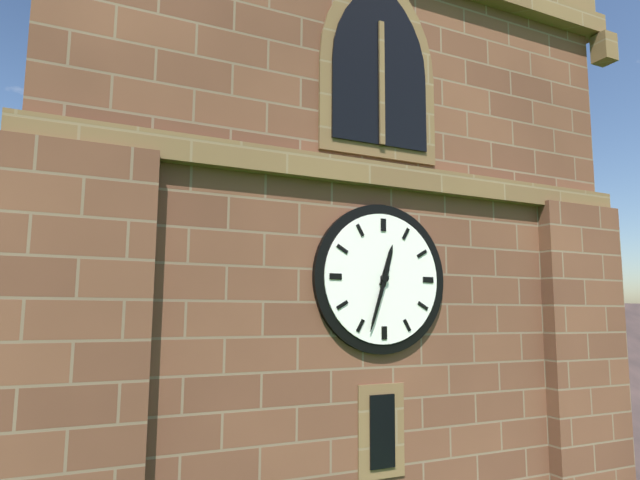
12:33
